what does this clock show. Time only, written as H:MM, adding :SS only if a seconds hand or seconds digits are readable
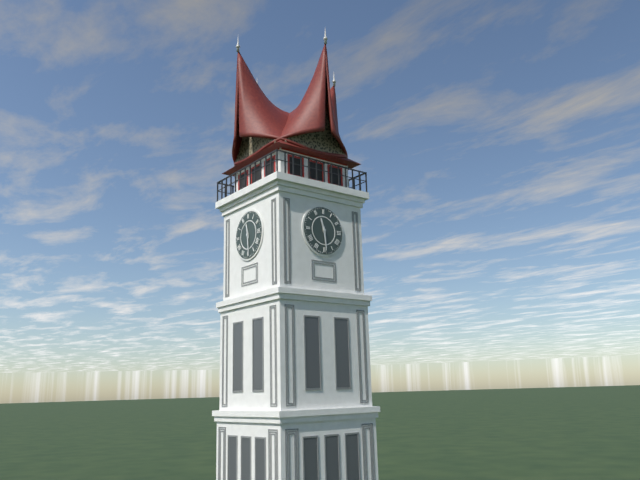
11:29
